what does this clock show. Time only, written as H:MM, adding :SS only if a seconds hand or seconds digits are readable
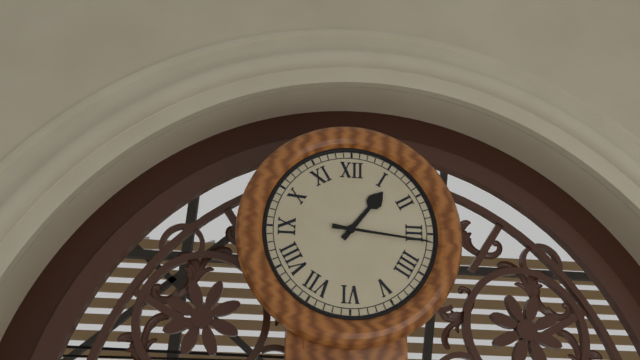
1:16
